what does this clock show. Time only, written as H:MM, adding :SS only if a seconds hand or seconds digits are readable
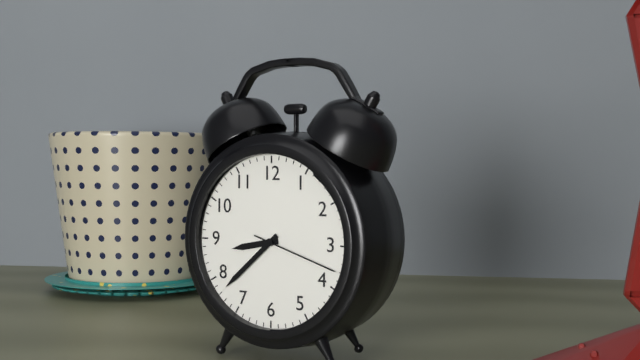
8:38:18
